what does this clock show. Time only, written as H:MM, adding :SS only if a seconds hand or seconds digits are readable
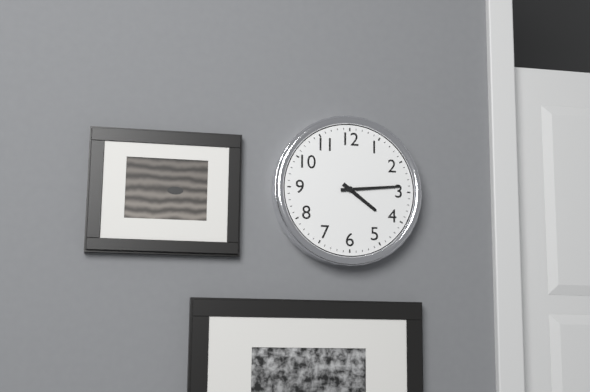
4:14
